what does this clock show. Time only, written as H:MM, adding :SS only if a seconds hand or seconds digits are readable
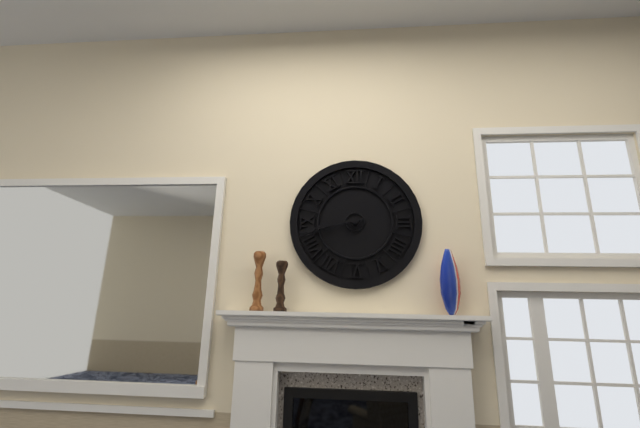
8:43
